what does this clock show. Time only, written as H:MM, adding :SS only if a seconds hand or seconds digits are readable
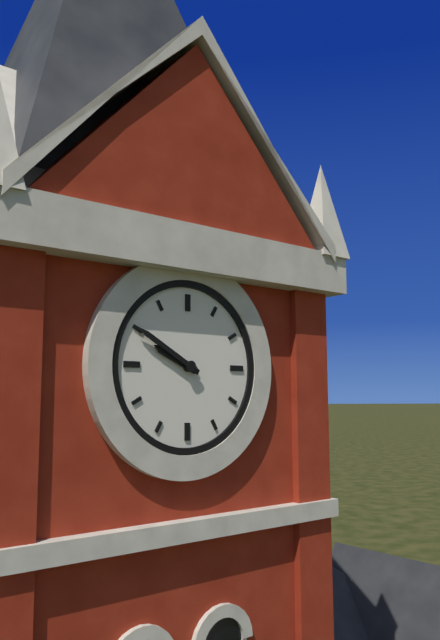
9:50
